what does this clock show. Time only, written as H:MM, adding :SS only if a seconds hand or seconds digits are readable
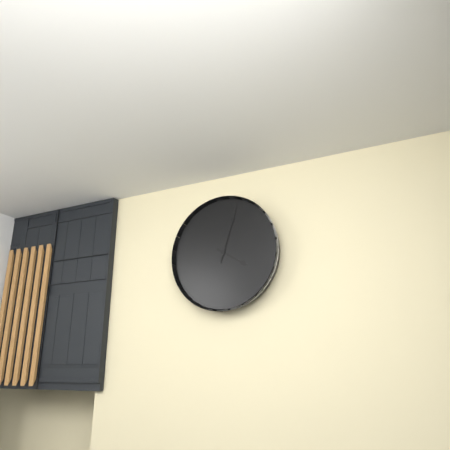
4:03
